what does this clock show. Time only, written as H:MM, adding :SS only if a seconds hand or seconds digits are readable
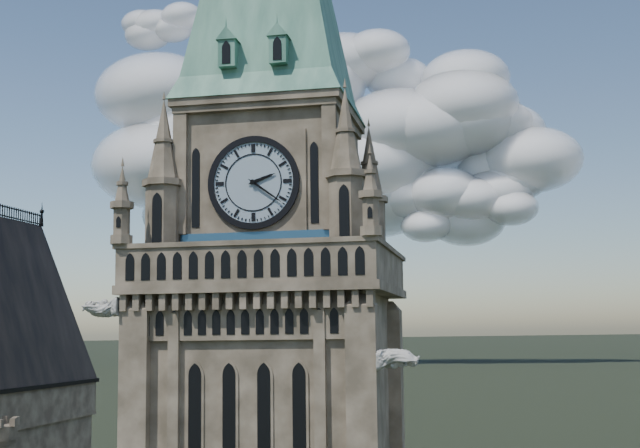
2:21
